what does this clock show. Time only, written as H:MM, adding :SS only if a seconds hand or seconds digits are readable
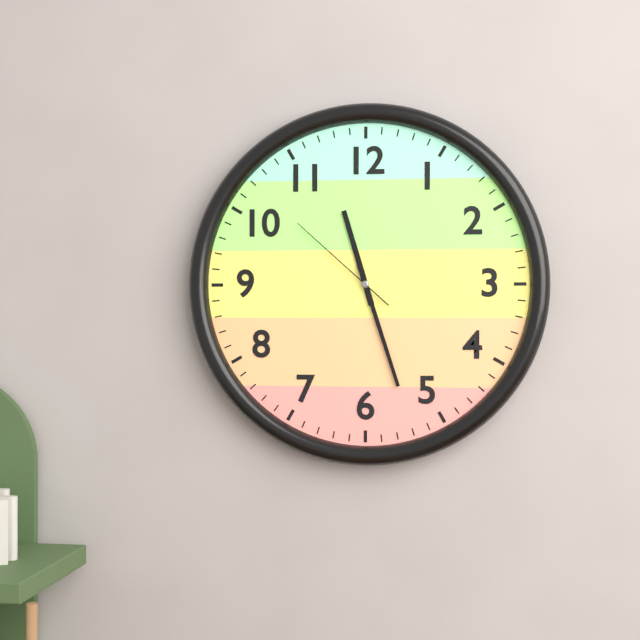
11:27:52
